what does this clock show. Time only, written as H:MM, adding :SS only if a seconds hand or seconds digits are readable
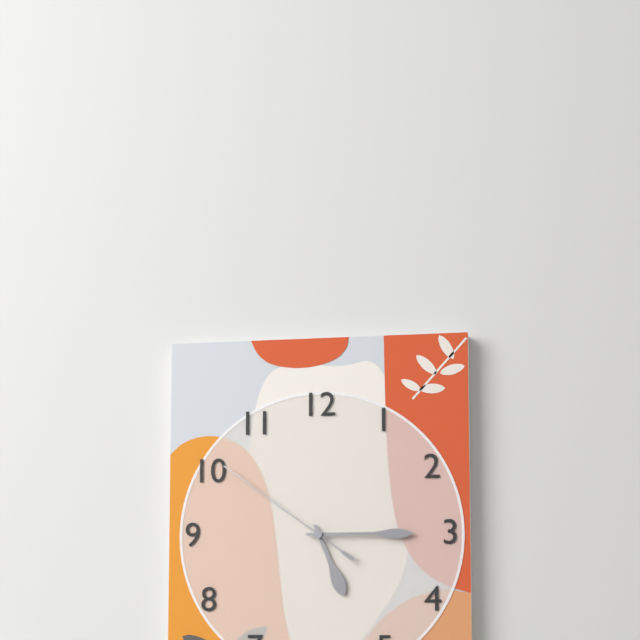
5:15:51
